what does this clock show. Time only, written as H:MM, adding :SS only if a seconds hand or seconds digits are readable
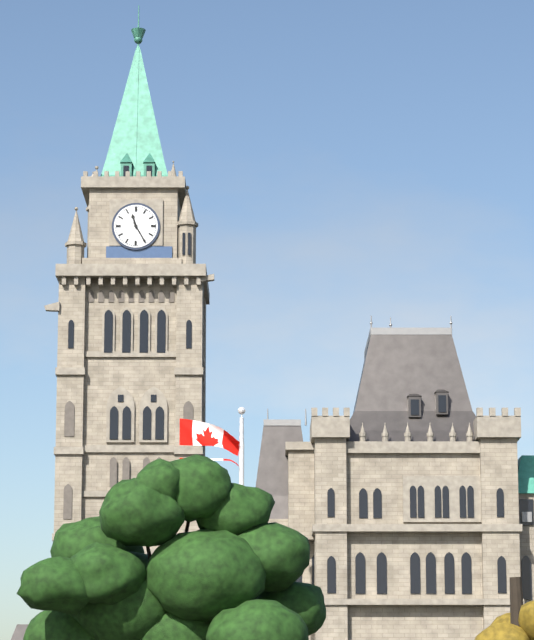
11:25
